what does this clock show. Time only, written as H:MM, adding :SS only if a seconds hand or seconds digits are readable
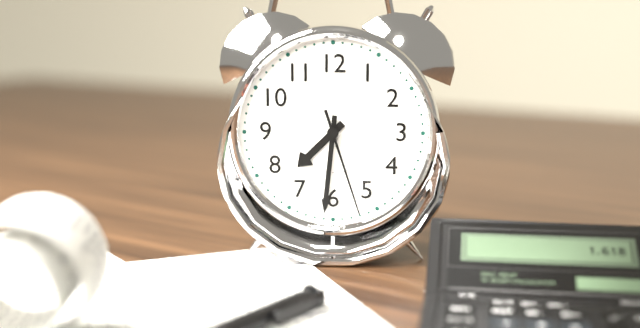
7:31:27
